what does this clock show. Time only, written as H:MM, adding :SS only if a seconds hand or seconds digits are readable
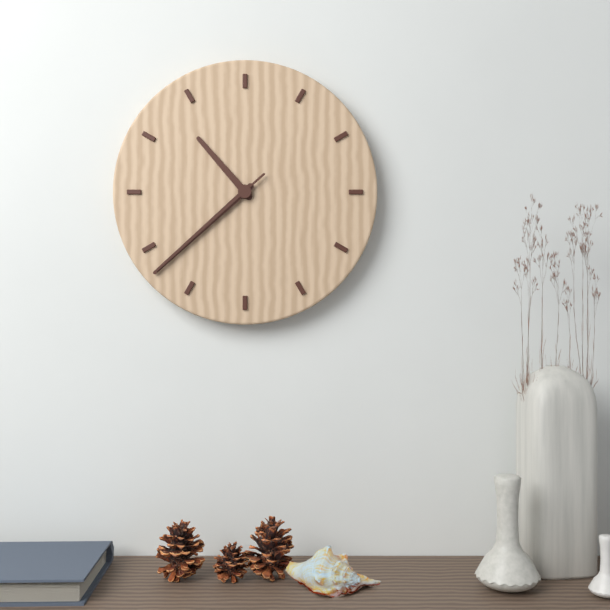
10:38:38
